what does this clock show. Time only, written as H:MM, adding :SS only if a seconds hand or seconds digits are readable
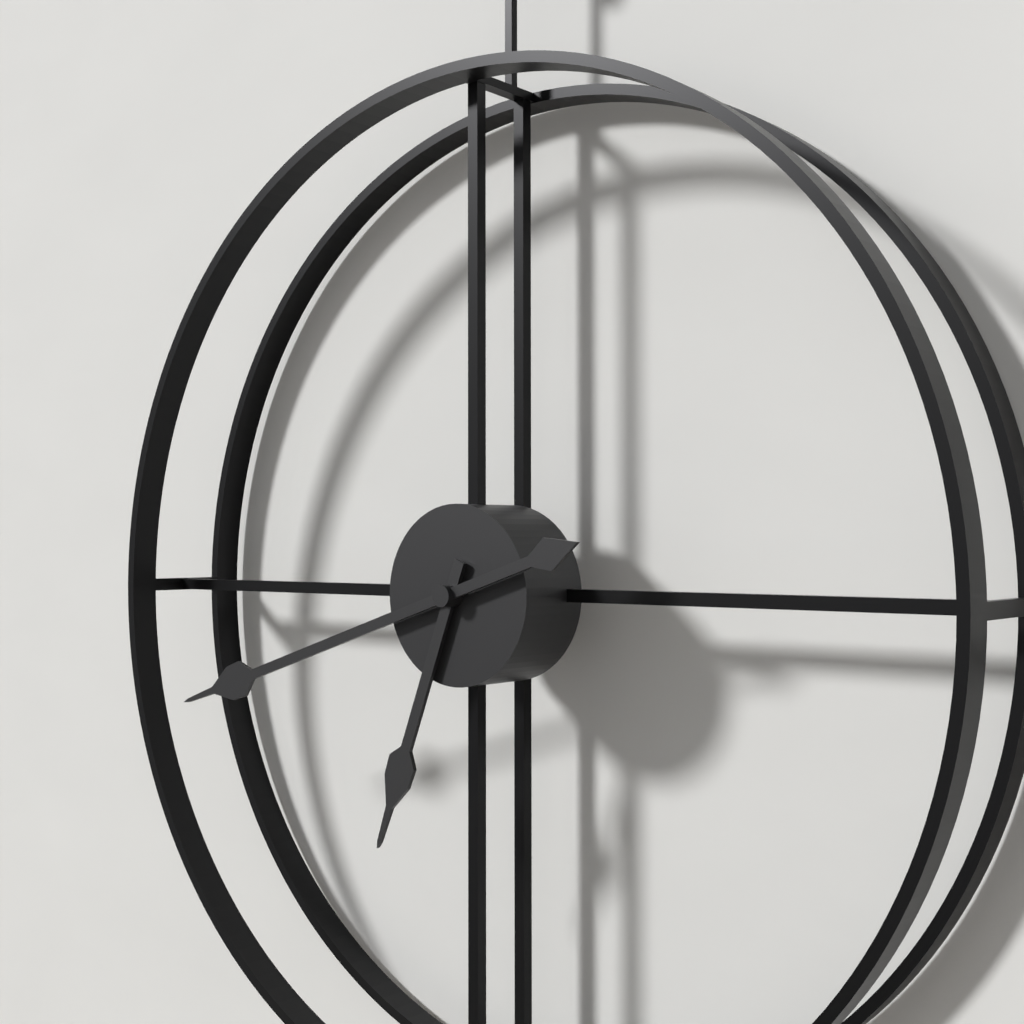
6:42
